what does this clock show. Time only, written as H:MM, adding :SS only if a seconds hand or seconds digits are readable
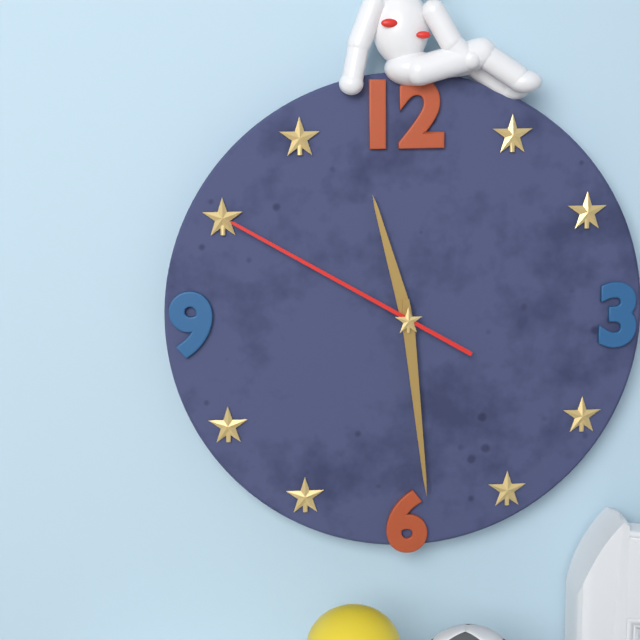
11:29:50
